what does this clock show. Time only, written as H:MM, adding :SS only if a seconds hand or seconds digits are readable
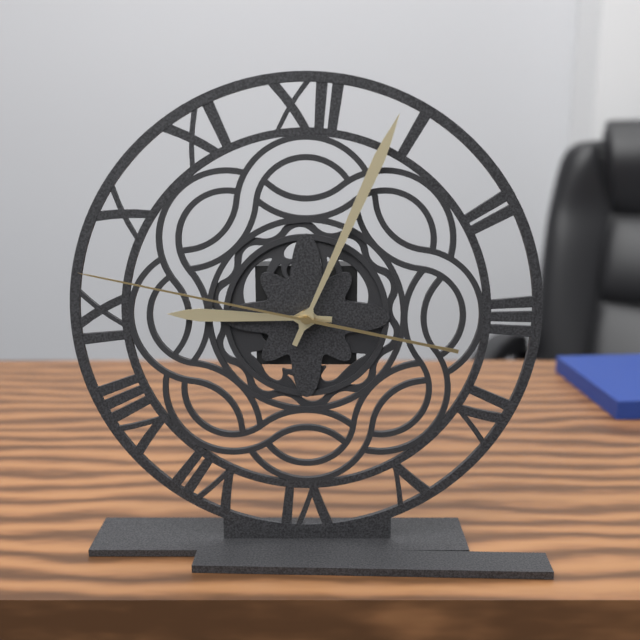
9:04:47
